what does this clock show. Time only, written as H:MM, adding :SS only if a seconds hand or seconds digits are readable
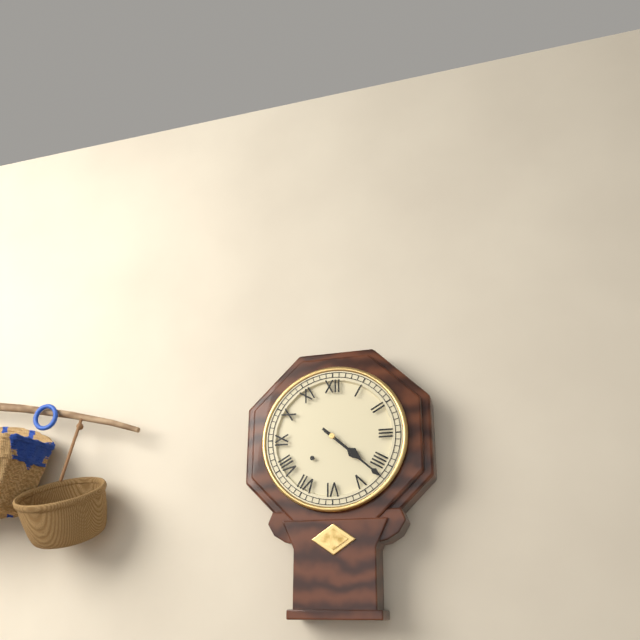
4:22
